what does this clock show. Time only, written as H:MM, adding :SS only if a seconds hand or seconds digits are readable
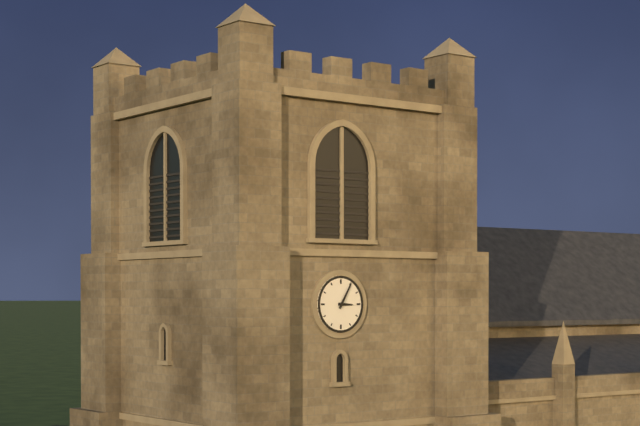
3:05
